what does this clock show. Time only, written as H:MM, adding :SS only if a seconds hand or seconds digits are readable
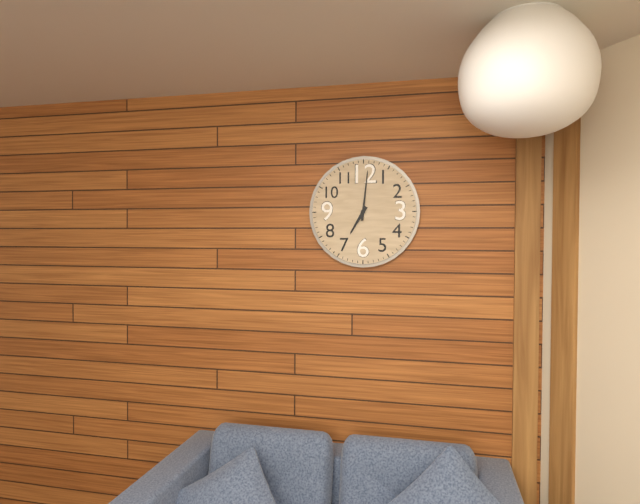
7:01
